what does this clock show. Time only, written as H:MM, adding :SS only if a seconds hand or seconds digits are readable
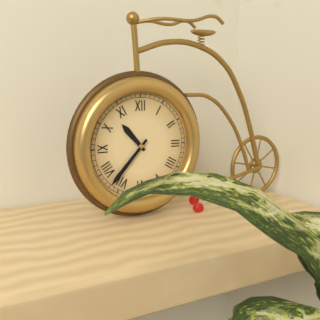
10:37
